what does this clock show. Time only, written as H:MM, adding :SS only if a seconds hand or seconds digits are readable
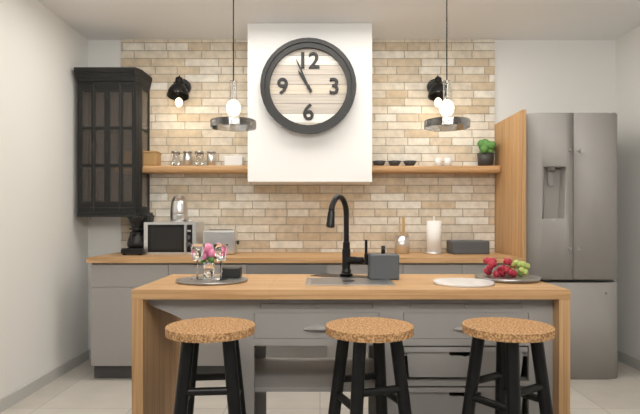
10:56
